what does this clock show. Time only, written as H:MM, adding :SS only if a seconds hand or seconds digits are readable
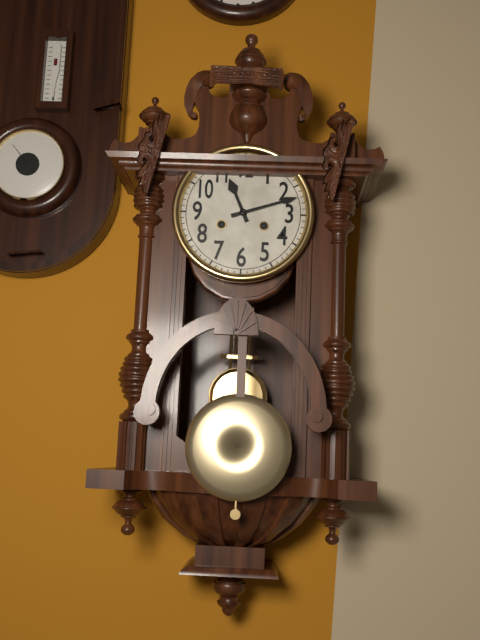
11:12
